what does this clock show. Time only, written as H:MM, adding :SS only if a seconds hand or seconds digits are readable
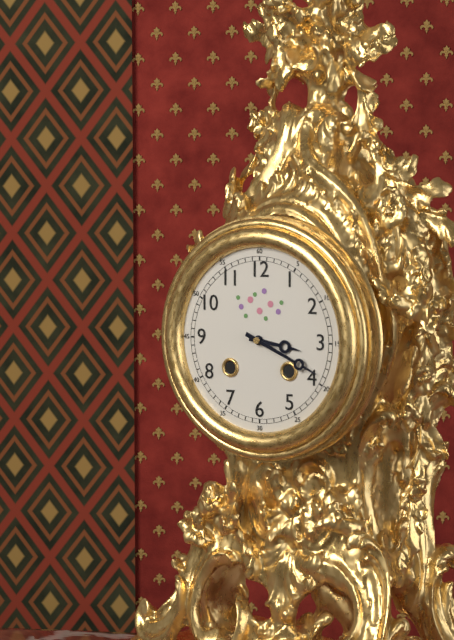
3:19
